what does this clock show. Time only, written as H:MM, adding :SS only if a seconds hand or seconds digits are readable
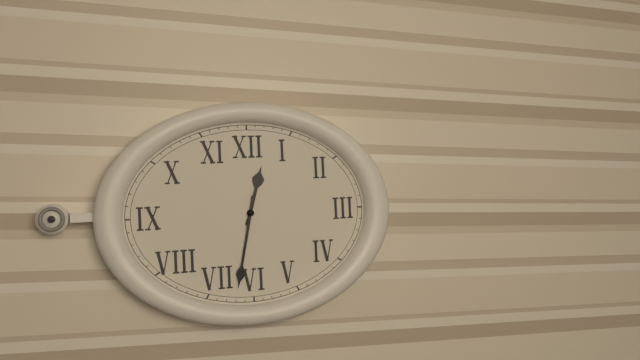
12:32
